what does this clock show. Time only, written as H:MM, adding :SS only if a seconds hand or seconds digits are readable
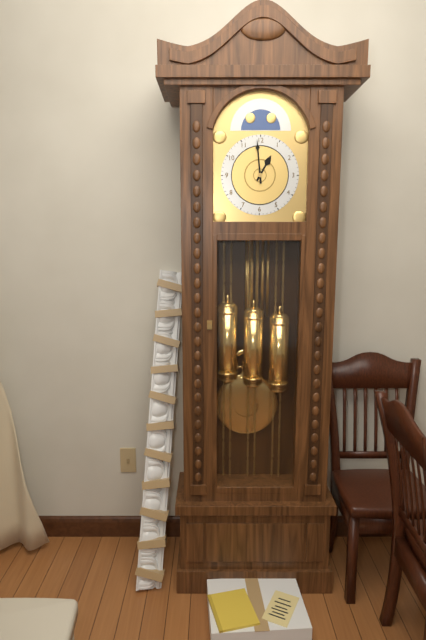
12:59
